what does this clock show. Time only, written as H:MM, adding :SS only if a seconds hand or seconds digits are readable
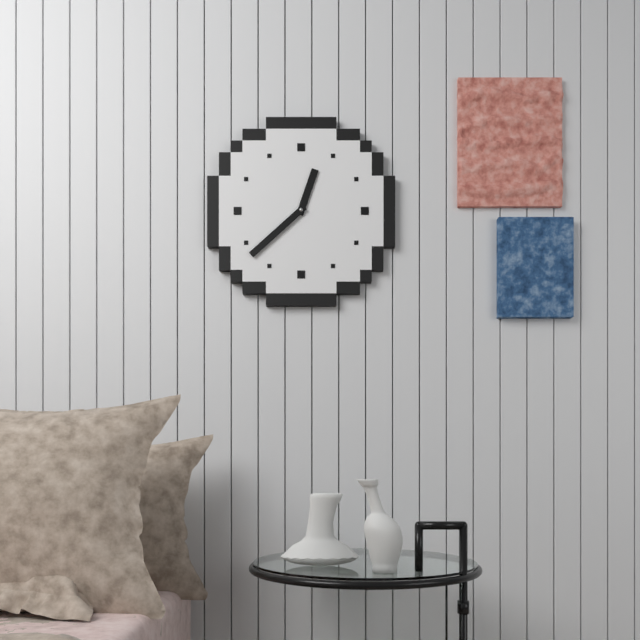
12:38
